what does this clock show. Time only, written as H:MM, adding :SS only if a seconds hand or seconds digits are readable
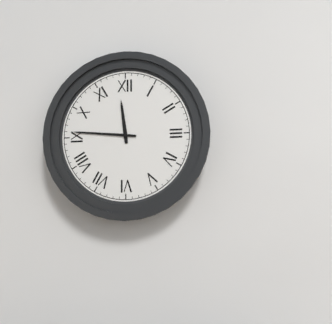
11:46
